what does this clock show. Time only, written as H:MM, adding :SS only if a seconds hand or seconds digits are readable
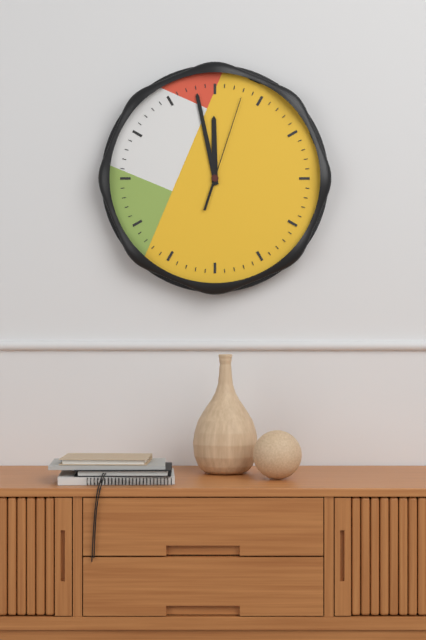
11:58:03
